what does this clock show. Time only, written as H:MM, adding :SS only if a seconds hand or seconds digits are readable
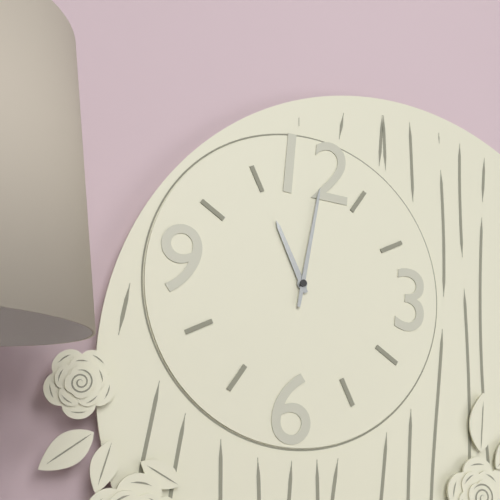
11:01
